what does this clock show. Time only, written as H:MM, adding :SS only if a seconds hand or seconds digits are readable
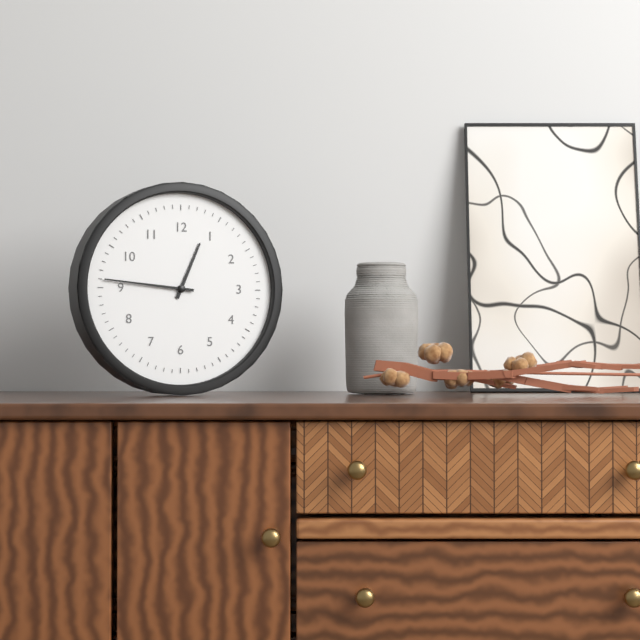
12:46
